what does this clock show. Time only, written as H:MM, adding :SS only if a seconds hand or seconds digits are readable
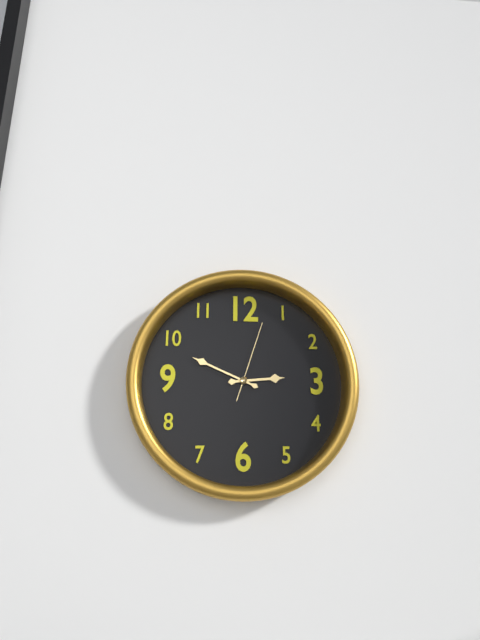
2:49:03
